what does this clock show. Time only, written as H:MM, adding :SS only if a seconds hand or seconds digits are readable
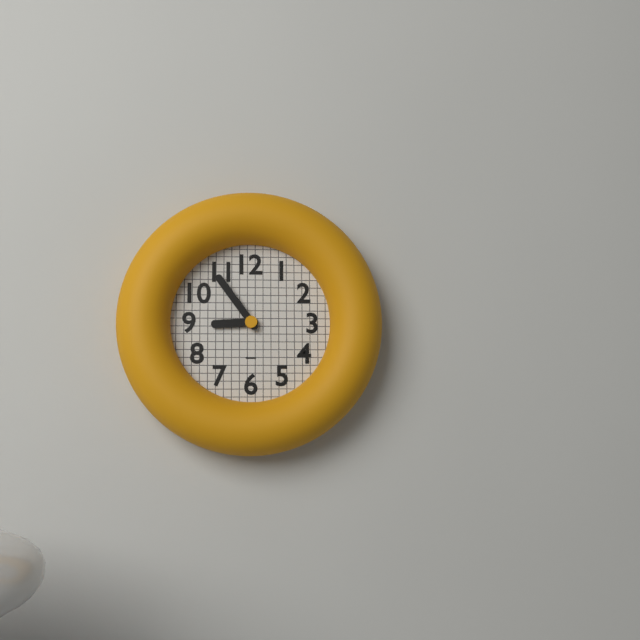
8:54
